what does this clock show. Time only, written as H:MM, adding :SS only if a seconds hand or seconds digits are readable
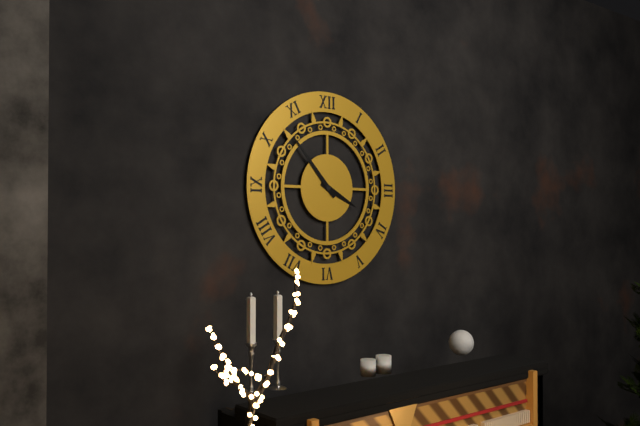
3:53
